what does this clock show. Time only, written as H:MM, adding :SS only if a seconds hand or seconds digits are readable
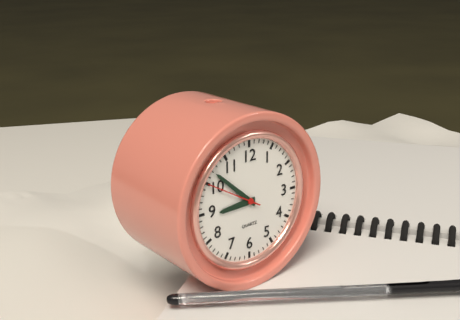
8:52:50
